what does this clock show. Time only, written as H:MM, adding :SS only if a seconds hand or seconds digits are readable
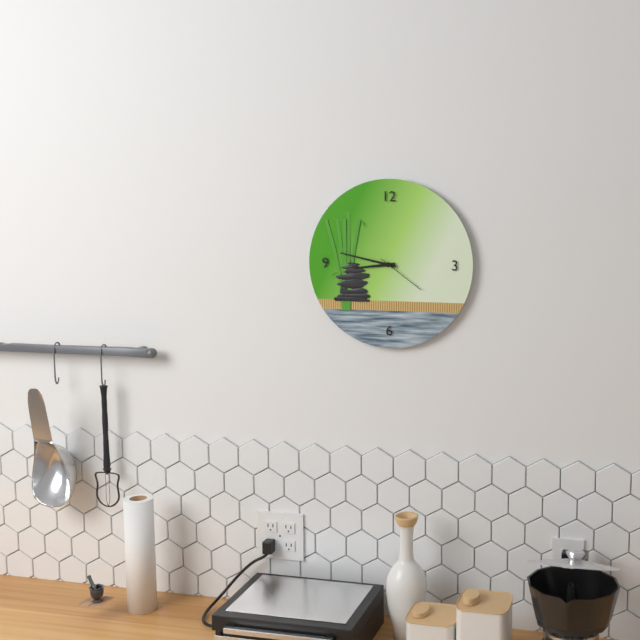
8:47:21
